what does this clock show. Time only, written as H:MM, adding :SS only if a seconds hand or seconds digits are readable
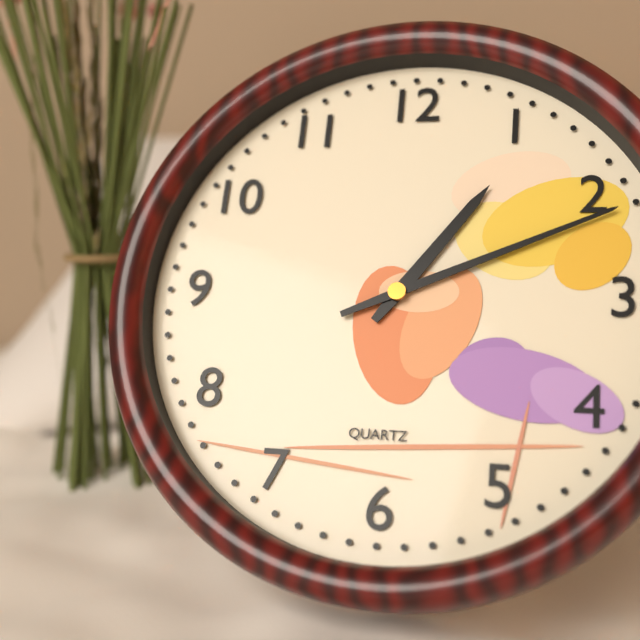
1:11
